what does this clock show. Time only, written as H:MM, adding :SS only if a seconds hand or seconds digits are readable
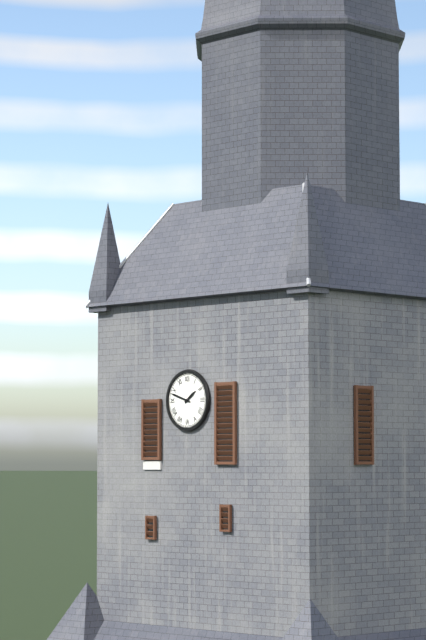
1:48
